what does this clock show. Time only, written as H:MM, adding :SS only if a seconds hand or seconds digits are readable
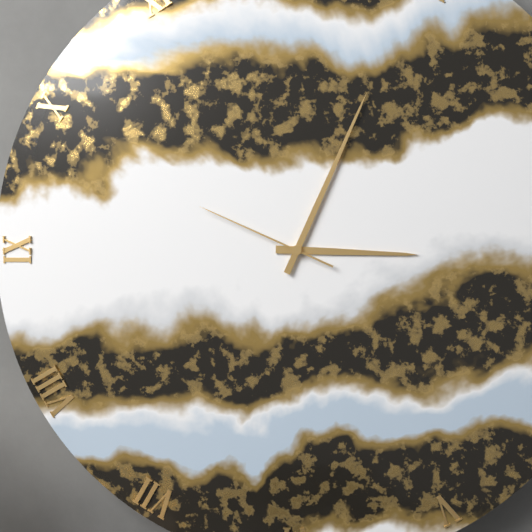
3:04:49
